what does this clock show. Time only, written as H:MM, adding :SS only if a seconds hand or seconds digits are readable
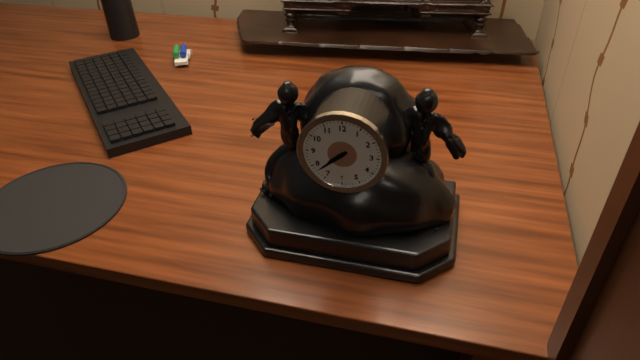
7:38
